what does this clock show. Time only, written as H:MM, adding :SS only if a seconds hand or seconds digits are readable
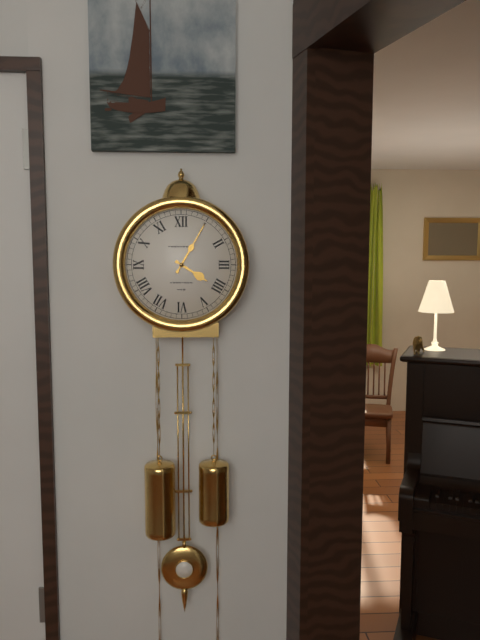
4:05
